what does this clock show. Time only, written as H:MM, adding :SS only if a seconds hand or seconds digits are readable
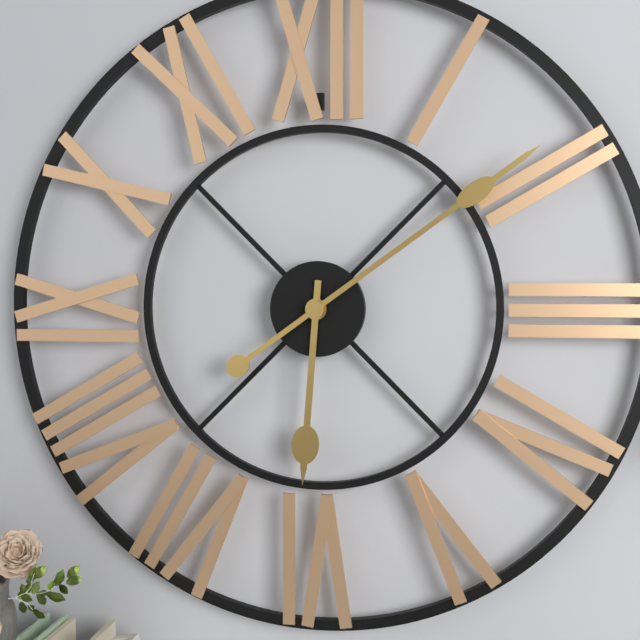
6:09
